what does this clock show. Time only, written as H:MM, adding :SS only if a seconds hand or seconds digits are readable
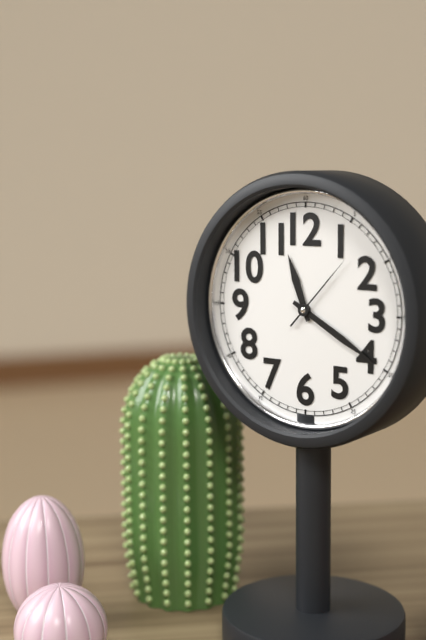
11:20:07
